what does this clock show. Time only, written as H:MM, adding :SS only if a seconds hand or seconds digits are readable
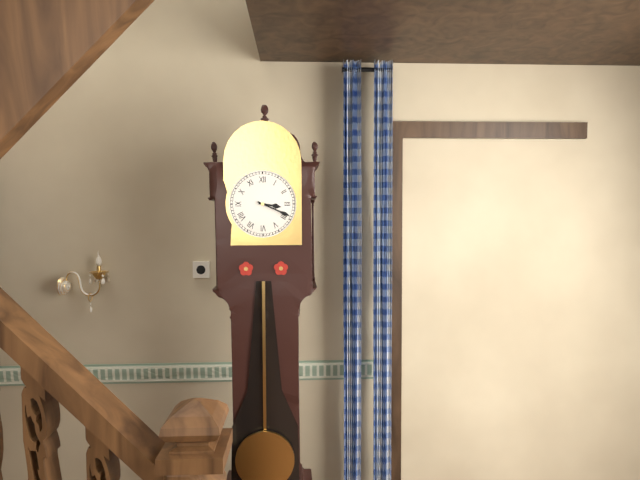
3:19
